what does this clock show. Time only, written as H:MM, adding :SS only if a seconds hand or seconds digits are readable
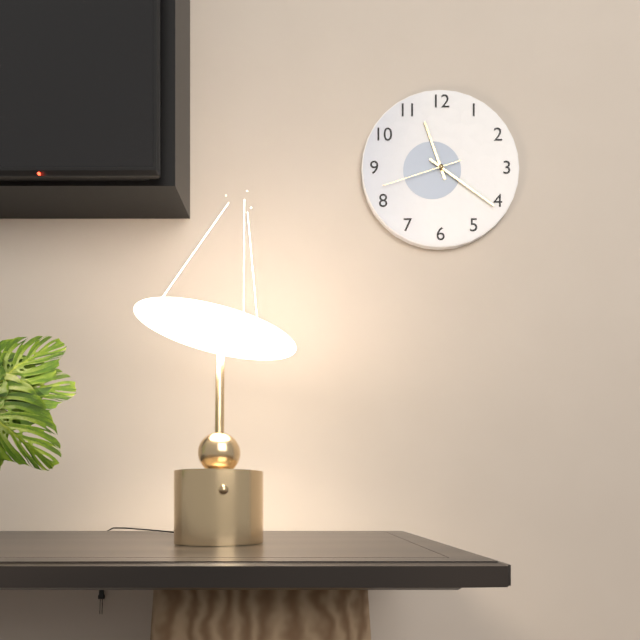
11:21:42
